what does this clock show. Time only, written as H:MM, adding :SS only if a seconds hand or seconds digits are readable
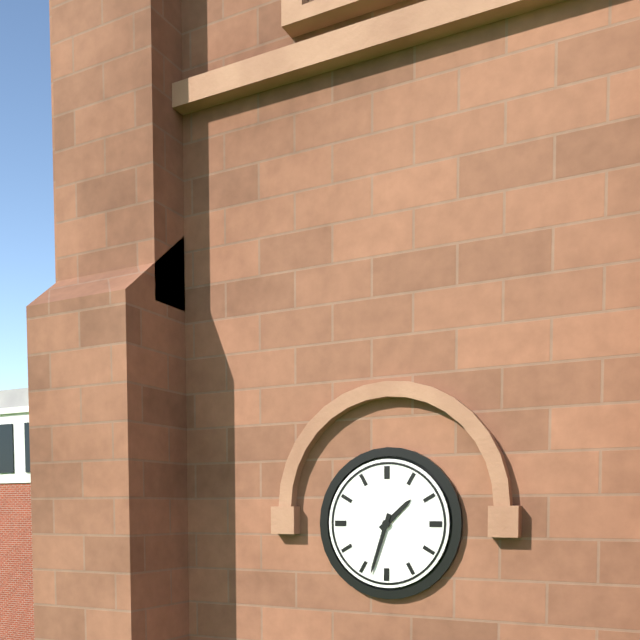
1:33
